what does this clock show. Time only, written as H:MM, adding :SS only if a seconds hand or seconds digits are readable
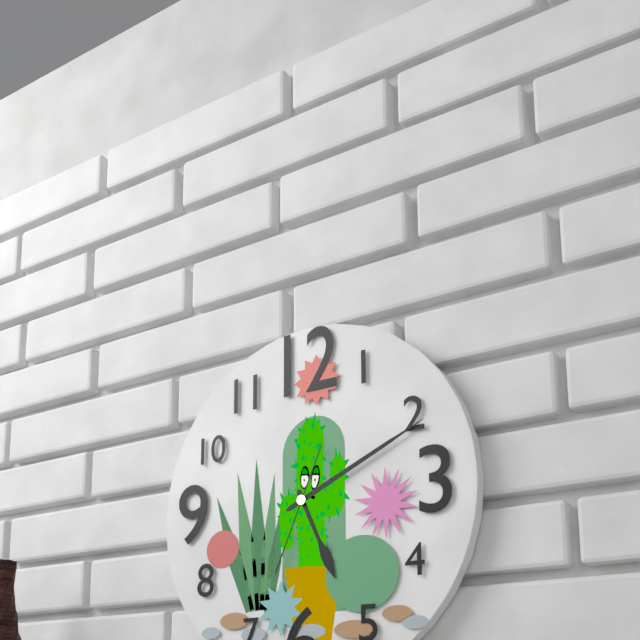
5:11:34
